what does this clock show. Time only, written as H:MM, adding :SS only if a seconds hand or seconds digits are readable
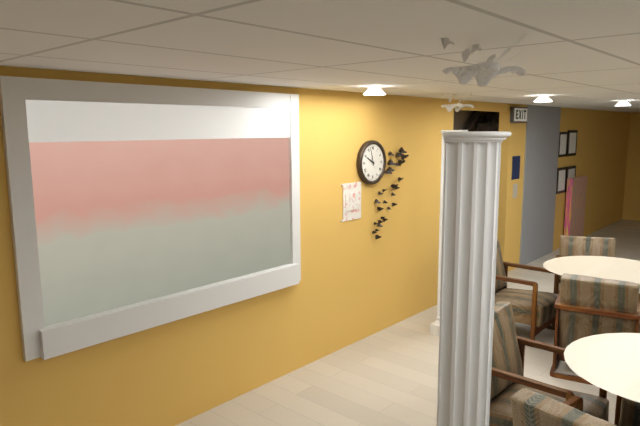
9:57
